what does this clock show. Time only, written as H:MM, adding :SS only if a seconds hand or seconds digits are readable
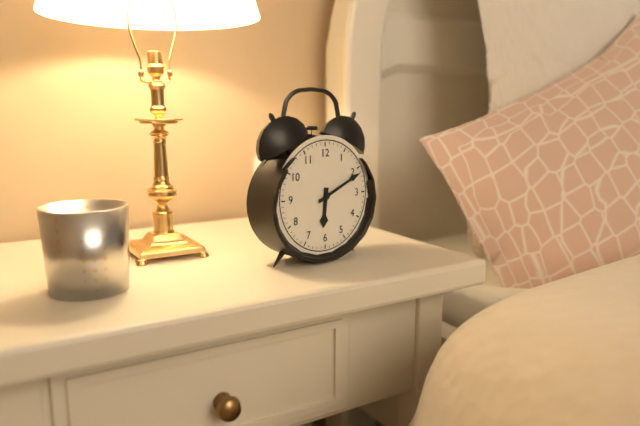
6:11
